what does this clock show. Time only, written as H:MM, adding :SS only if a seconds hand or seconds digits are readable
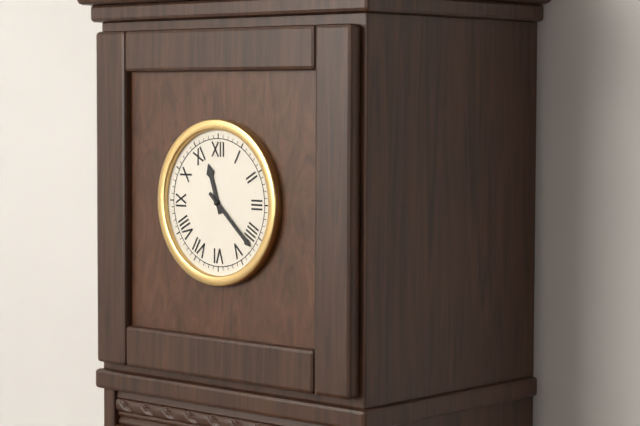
11:22
